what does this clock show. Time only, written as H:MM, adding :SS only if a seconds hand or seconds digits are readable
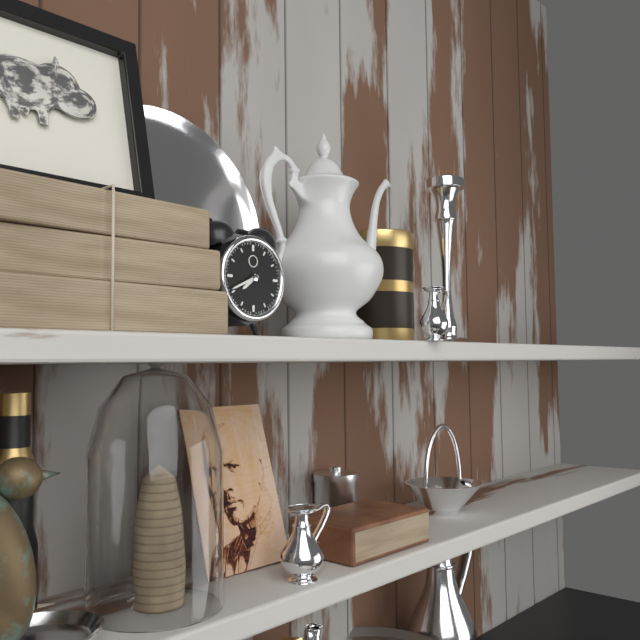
7:41
